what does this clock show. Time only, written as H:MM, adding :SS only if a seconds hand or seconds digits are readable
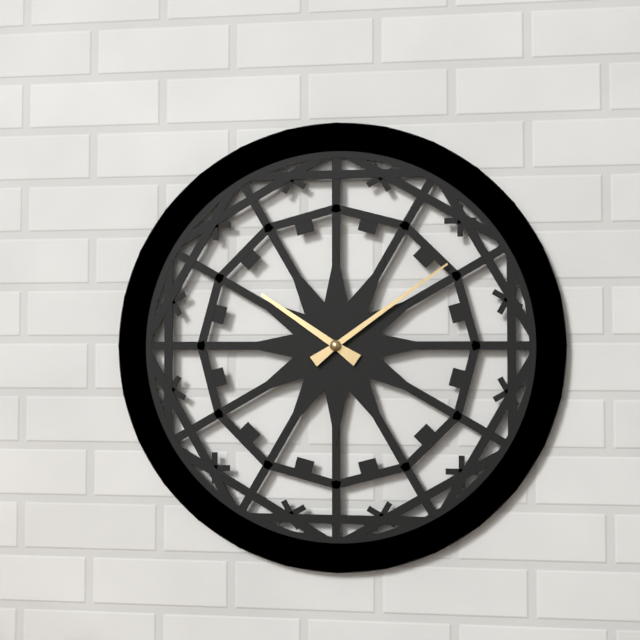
10:09
